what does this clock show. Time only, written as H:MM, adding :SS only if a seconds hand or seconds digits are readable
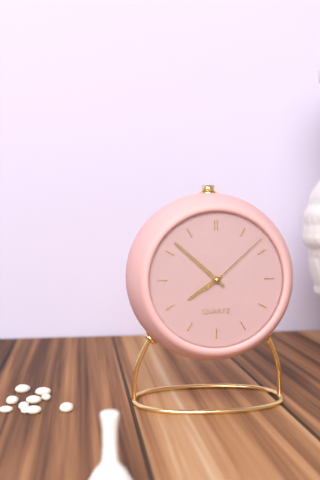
7:52:08
